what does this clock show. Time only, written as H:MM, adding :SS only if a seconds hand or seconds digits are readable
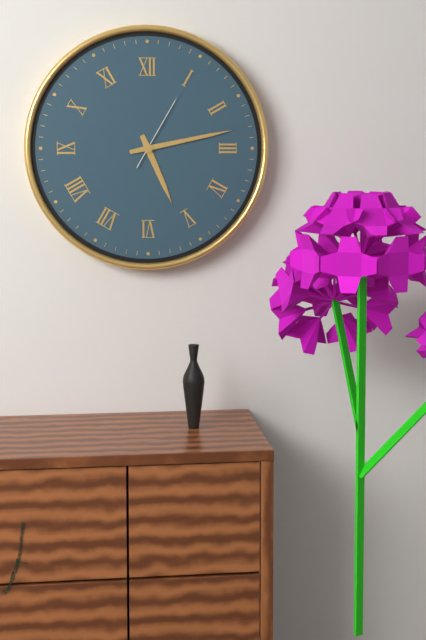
5:13:05
